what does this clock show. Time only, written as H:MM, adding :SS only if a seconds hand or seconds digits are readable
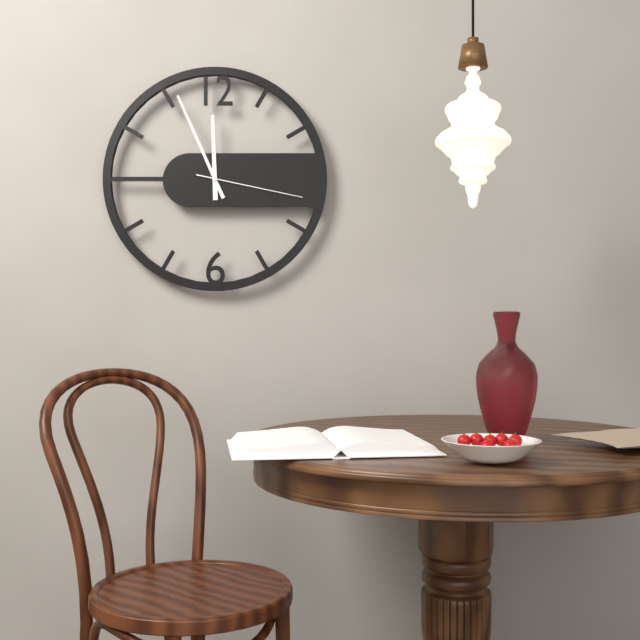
11:56:17
